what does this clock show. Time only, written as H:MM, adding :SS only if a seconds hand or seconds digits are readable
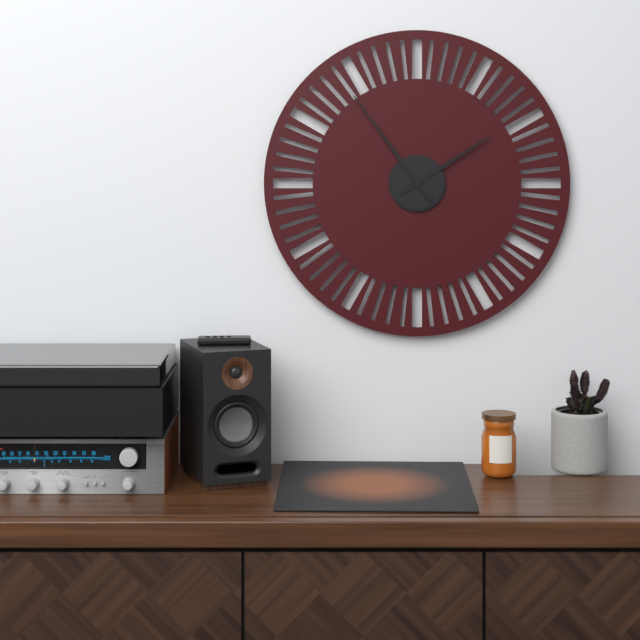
1:54
